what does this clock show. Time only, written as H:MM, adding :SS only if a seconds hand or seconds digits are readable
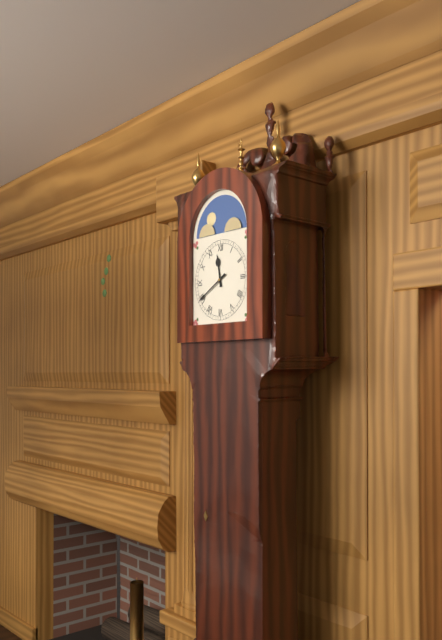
11:40
